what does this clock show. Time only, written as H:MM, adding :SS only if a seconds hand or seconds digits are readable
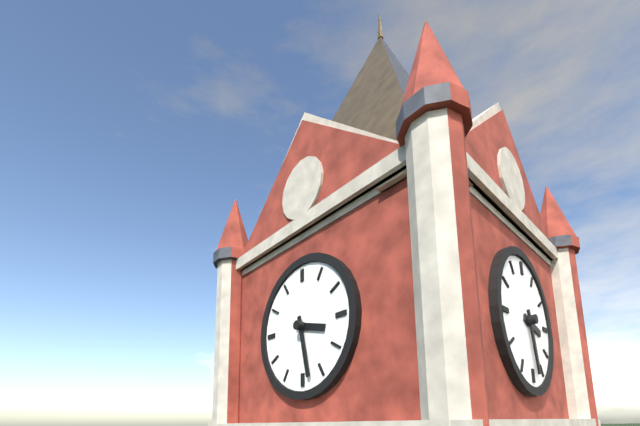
3:28
